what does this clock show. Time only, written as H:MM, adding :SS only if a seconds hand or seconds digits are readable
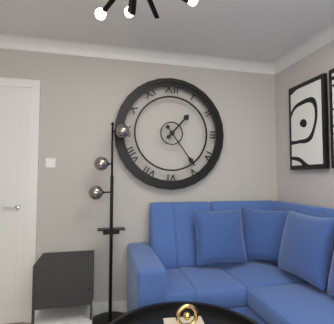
1:24
